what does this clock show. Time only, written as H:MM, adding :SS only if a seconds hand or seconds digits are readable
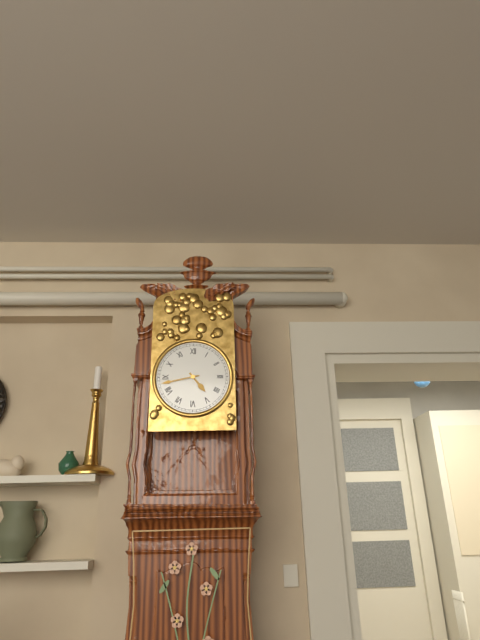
4:43
